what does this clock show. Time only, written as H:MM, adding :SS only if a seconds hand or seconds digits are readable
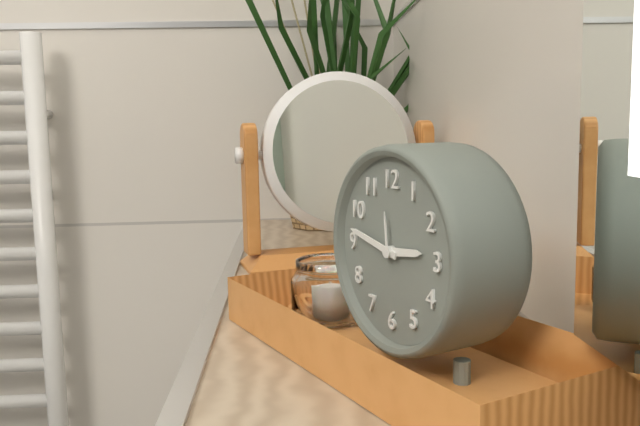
2:47
